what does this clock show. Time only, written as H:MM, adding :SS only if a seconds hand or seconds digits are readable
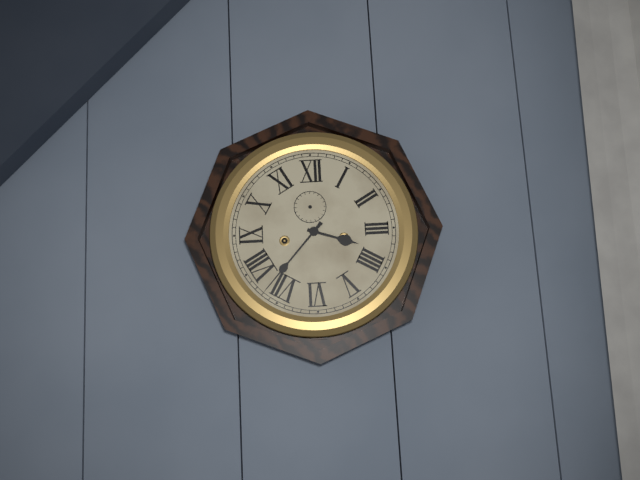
3:37
